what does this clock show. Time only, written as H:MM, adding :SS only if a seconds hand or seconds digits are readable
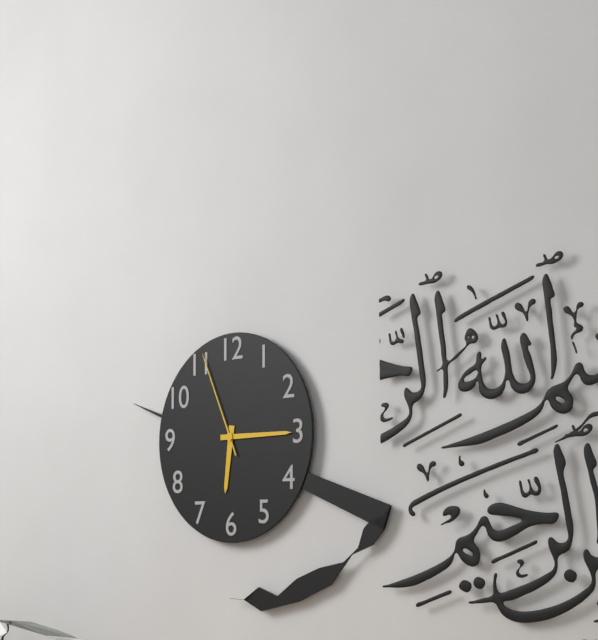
6:15:56
